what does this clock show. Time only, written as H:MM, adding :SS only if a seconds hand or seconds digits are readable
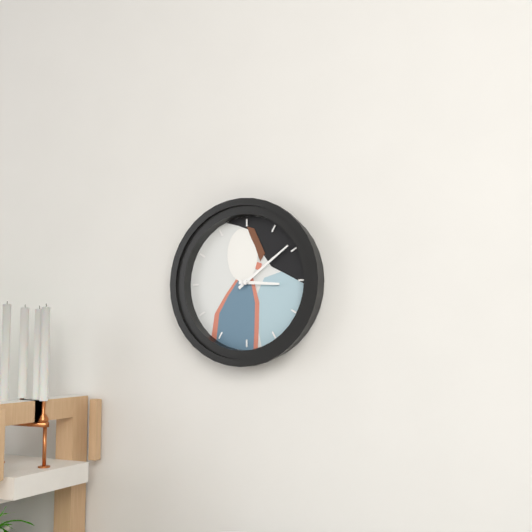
3:09
